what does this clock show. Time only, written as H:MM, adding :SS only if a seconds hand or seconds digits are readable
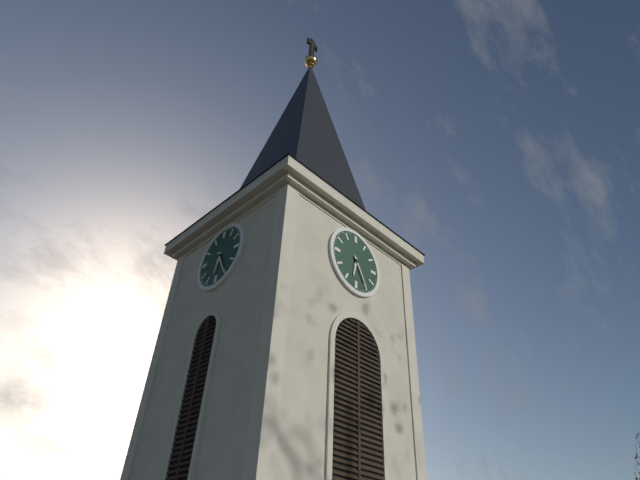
6:25
